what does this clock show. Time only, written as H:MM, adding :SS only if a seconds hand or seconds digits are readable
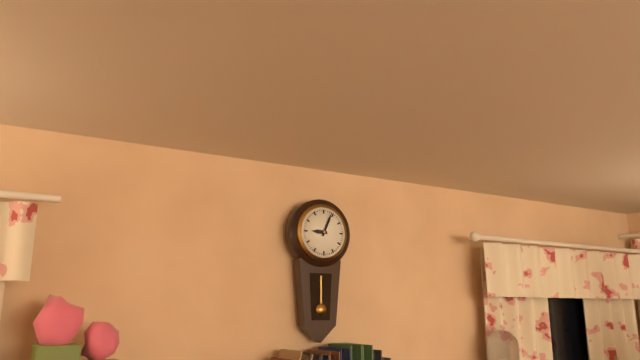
9:04
